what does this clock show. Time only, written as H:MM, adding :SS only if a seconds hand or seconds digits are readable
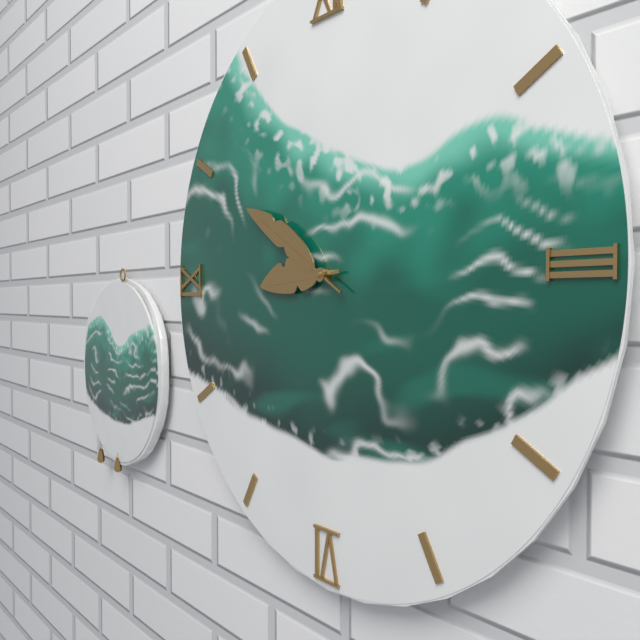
8:50
